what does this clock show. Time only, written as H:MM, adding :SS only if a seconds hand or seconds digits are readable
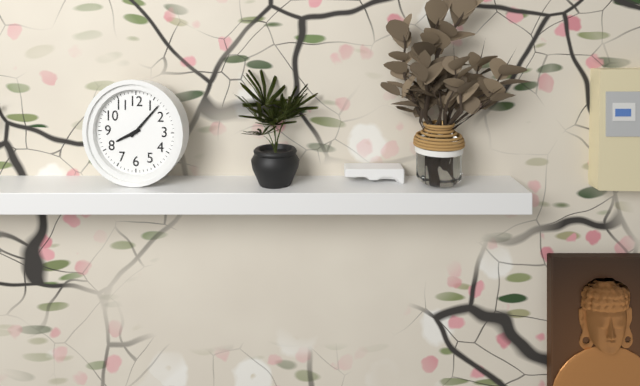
8:07
